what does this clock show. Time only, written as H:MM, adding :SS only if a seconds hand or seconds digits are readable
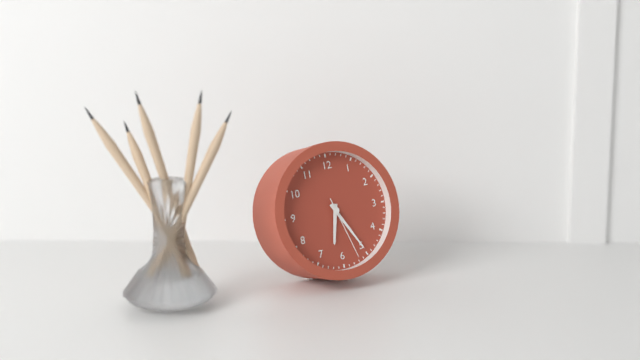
6:25:27
